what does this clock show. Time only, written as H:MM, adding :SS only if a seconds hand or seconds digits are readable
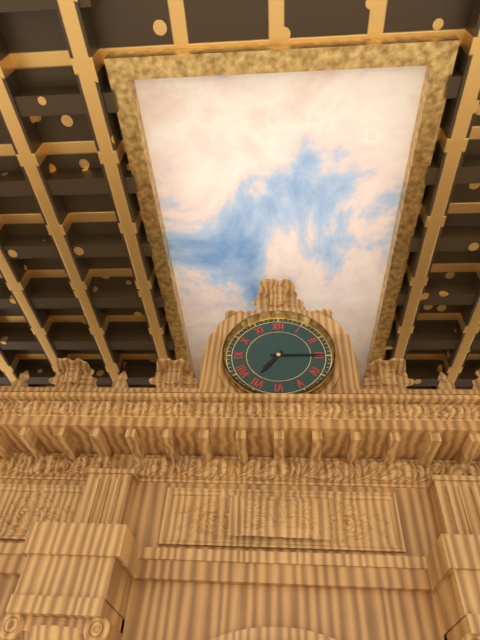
7:15
